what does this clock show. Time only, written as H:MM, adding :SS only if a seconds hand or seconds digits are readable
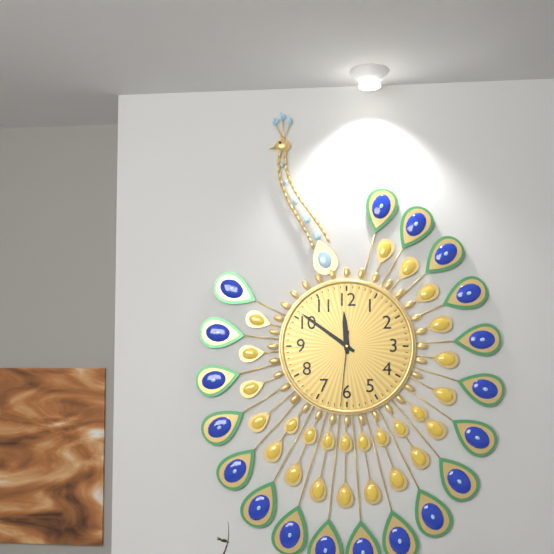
11:51:31
